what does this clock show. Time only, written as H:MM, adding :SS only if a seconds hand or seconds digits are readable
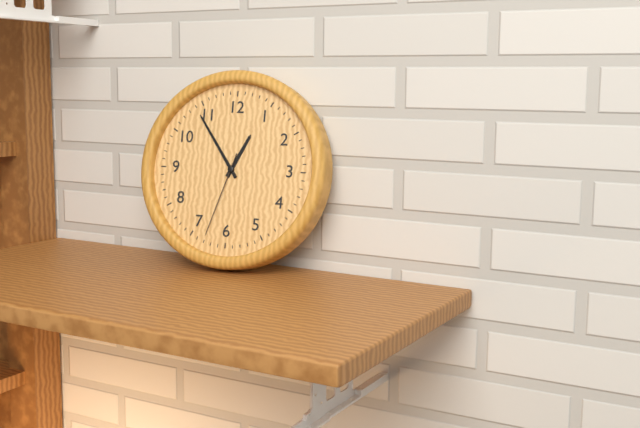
12:54:33
